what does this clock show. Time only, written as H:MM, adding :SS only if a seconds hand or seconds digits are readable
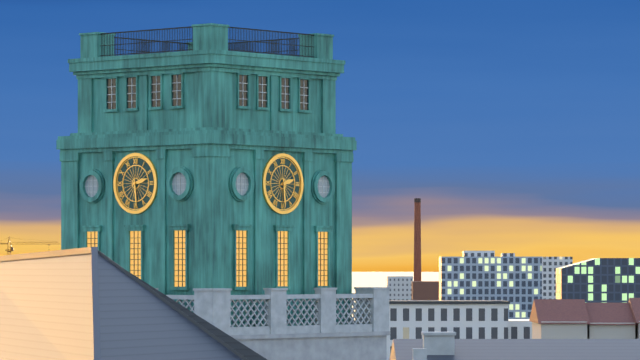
2:29
